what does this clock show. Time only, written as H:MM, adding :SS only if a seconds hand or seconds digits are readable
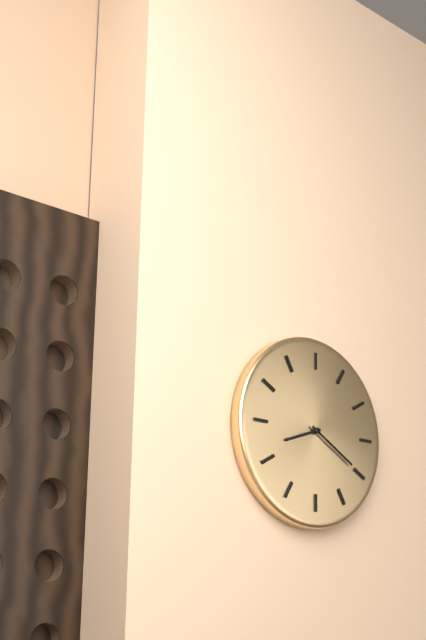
8:20
